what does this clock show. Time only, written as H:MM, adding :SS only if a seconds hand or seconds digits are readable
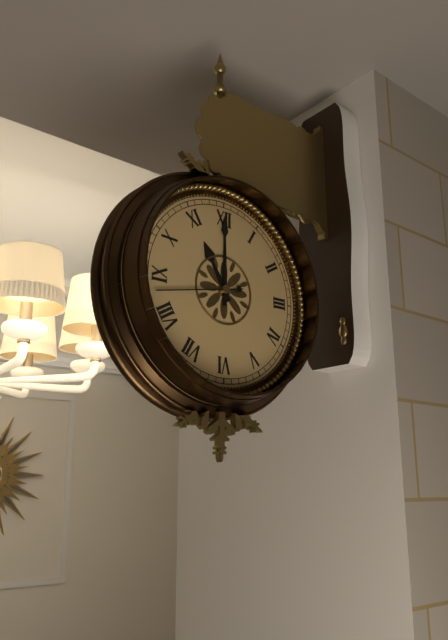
11:00:43
